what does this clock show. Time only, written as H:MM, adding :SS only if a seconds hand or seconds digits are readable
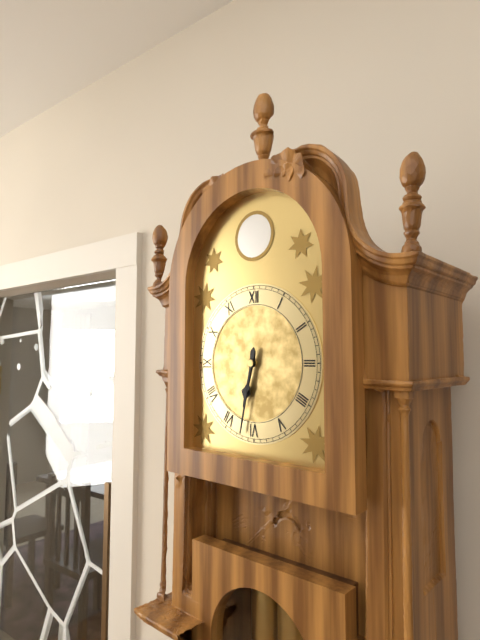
6:32
